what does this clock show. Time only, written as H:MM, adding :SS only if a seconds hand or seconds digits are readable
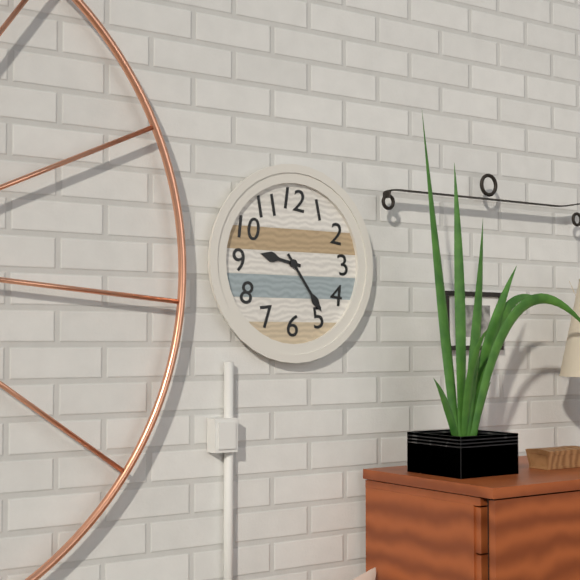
9:24
